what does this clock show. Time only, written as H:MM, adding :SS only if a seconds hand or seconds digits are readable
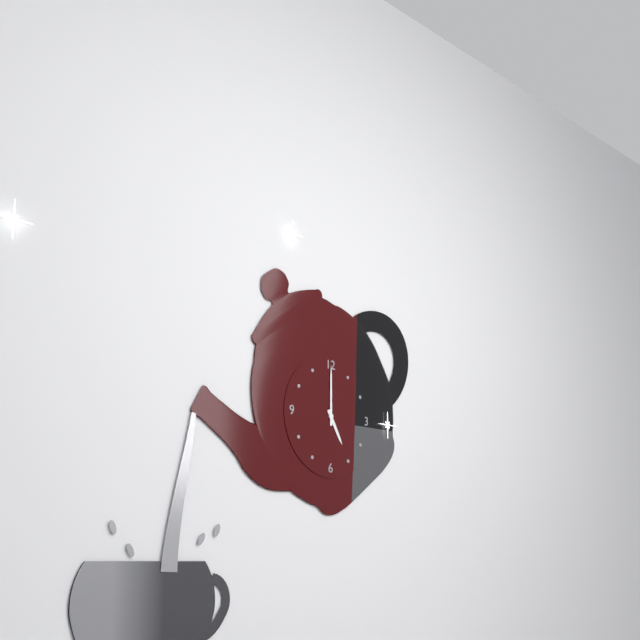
5:00
